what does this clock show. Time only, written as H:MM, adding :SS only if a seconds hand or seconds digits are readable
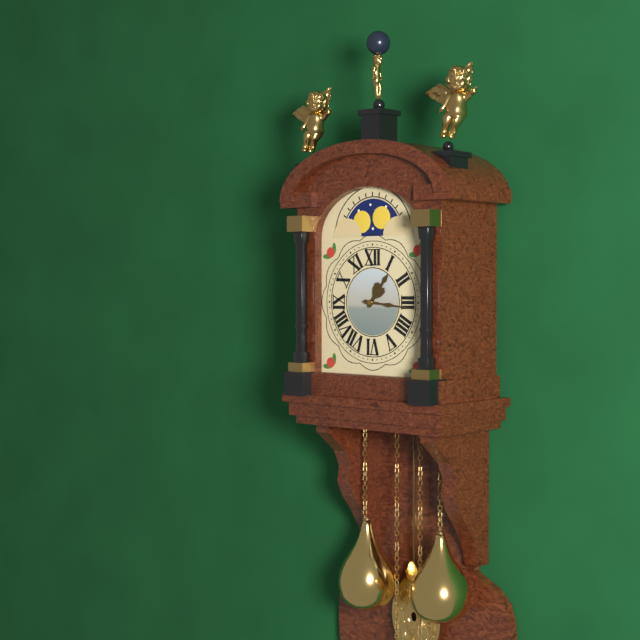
1:16
